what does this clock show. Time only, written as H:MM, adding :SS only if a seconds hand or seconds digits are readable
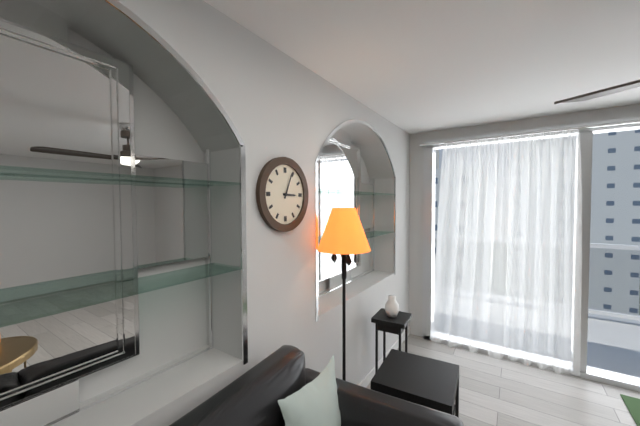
3:04
